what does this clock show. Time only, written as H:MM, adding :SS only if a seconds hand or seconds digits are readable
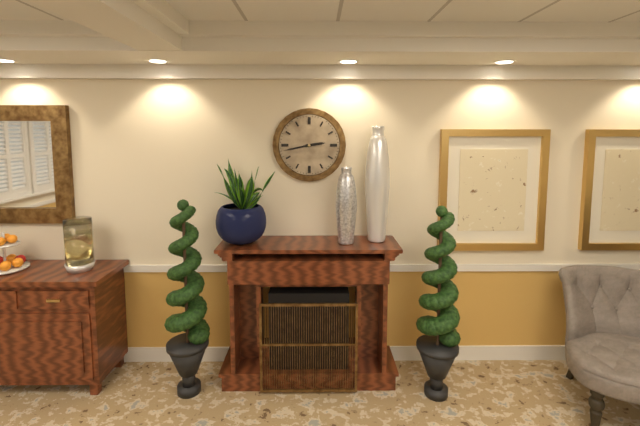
2:43
